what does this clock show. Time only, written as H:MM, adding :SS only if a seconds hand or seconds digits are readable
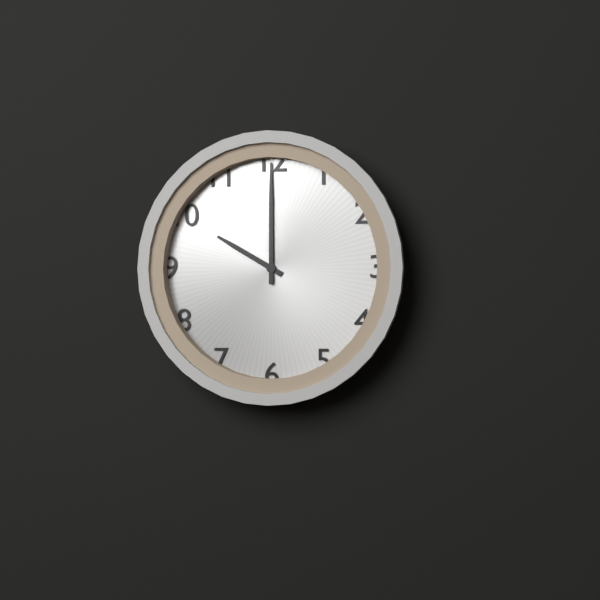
10:00
